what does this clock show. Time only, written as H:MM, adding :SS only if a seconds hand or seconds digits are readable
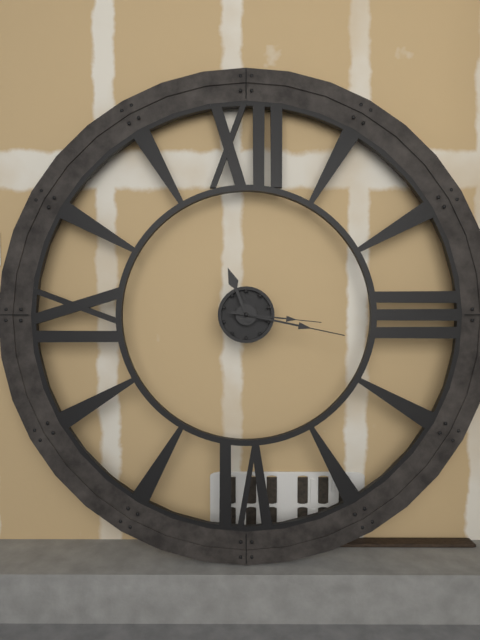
11:17:16
